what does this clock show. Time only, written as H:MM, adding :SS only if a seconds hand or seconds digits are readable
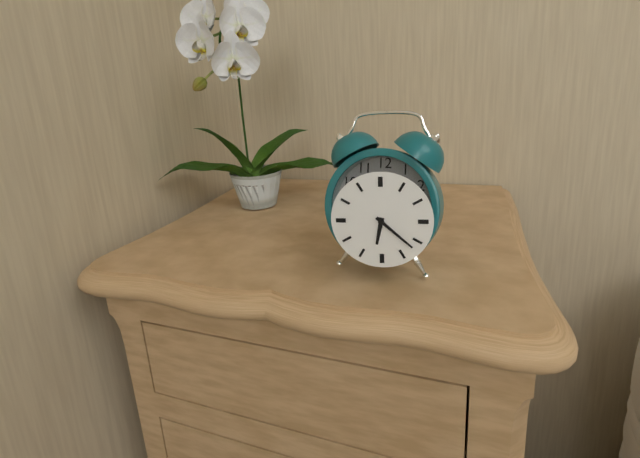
6:22
